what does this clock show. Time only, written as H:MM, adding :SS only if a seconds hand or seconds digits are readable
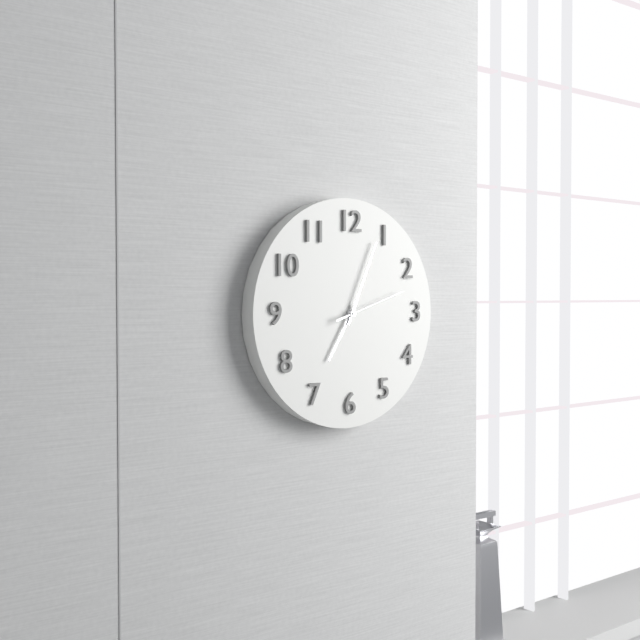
7:04:12
